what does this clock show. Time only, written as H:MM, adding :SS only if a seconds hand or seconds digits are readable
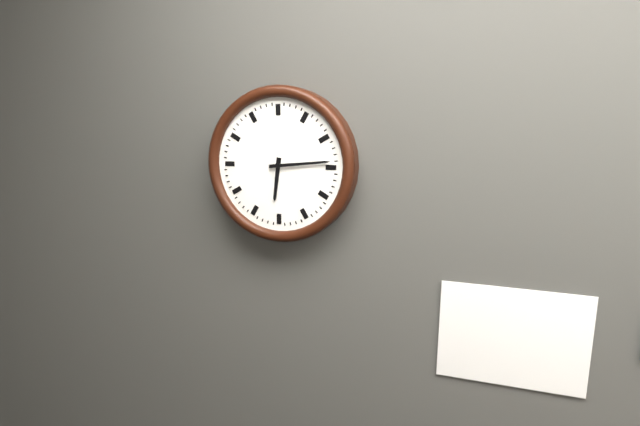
6:14
